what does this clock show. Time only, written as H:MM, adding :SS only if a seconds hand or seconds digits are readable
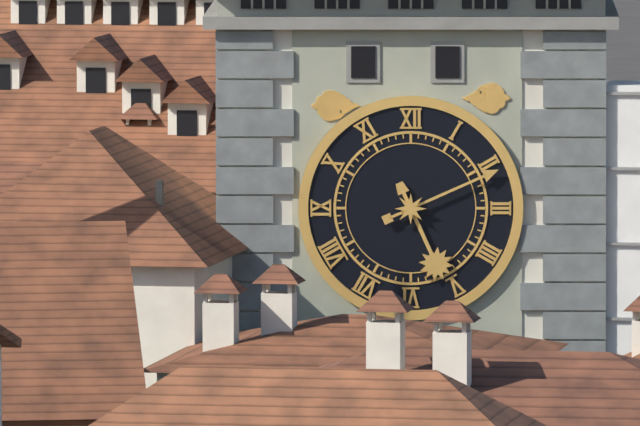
5:11
